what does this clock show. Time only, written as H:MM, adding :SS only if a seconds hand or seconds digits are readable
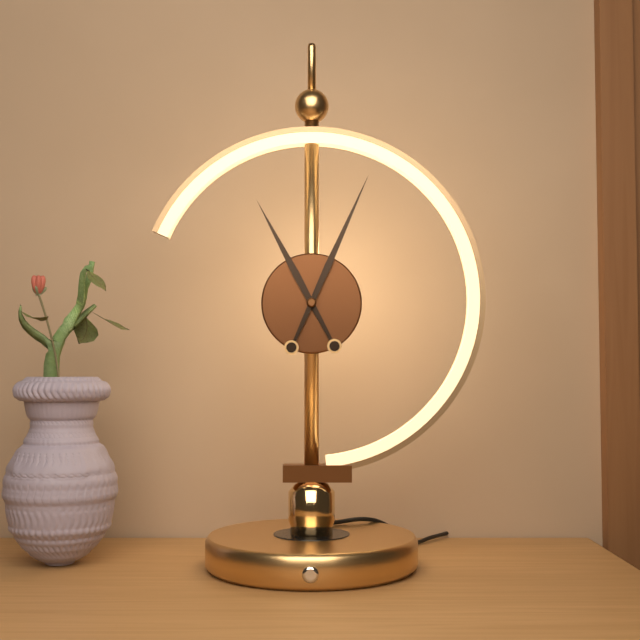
11:04
